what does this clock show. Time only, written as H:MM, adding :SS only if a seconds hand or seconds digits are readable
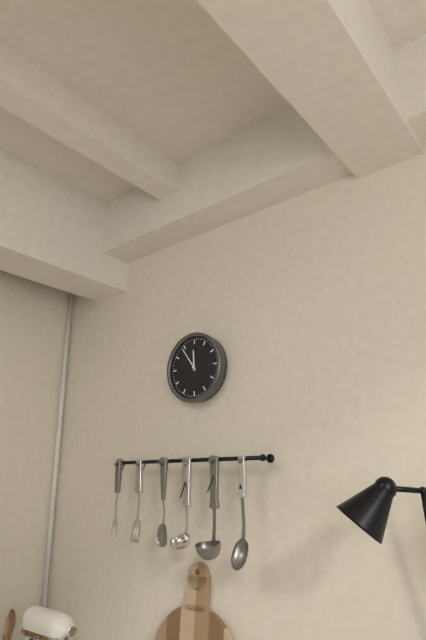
11:54
